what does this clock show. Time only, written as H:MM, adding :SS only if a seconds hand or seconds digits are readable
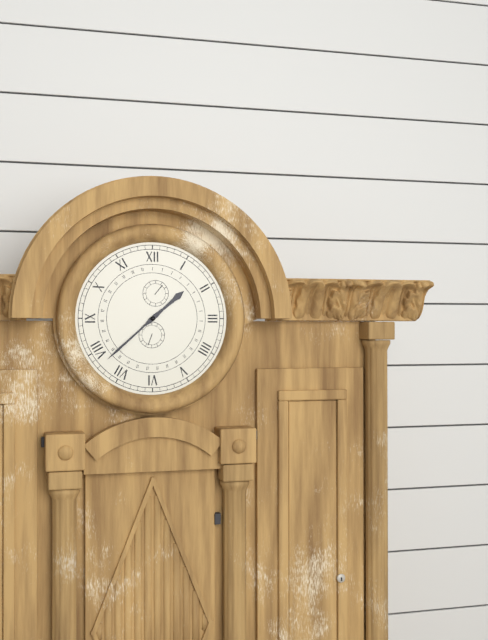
1:38
